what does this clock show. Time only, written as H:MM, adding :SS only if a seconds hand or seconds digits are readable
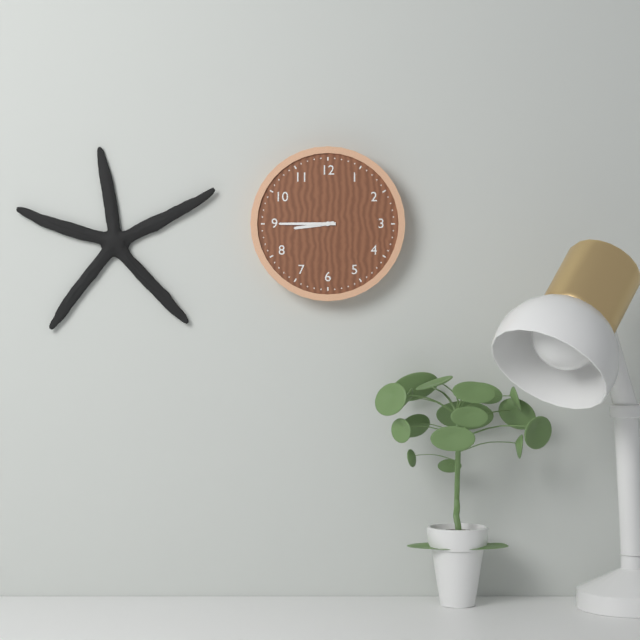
8:45
